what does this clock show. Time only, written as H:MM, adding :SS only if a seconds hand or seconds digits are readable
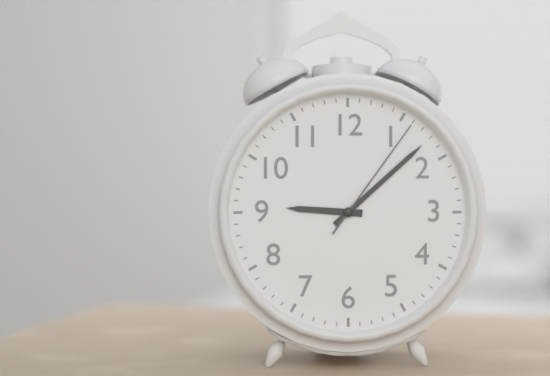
9:08:06
